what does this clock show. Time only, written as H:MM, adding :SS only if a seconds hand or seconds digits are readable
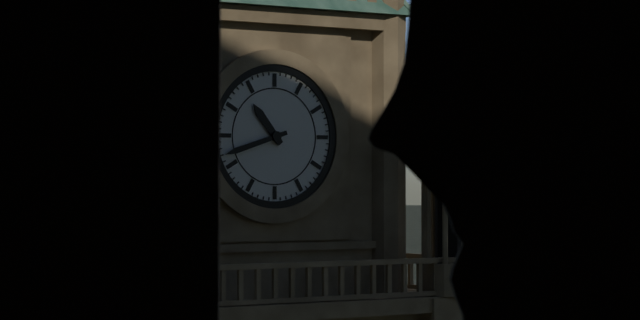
10:42
